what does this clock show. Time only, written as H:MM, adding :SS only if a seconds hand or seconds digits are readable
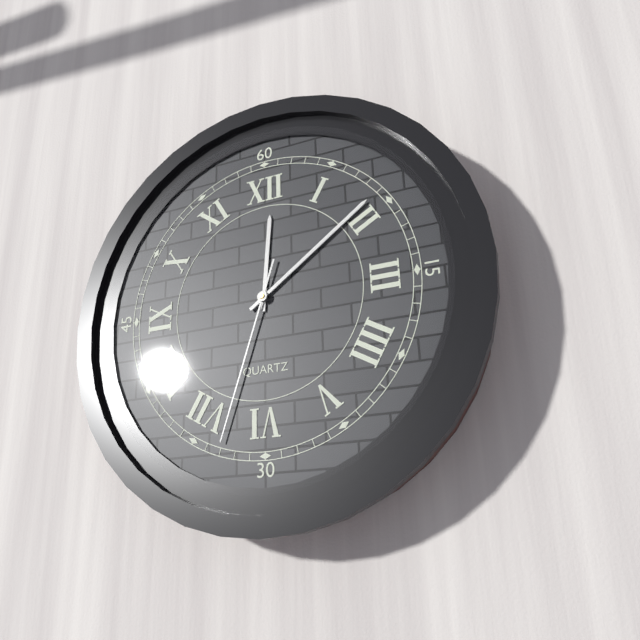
12:09:33
